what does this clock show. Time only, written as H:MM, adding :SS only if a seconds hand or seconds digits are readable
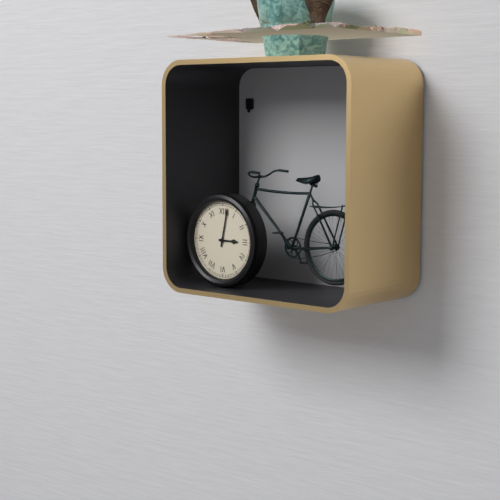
3:02
